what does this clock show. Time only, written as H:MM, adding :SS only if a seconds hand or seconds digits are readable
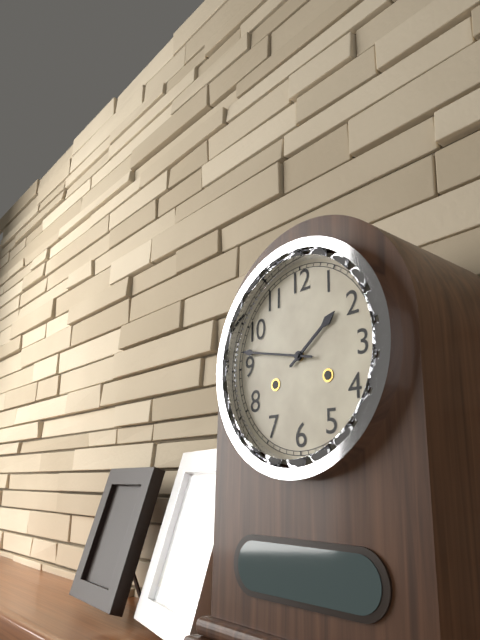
1:47
